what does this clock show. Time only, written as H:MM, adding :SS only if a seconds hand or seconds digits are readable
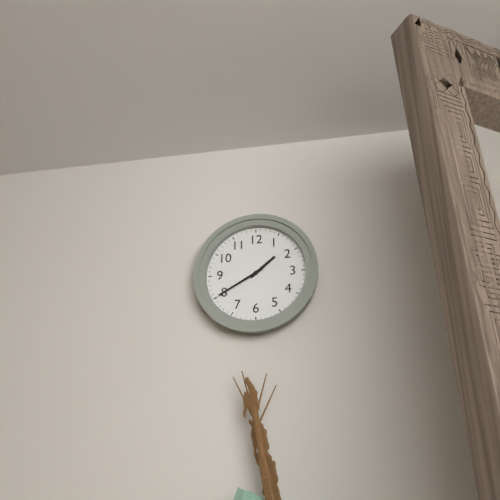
1:40
